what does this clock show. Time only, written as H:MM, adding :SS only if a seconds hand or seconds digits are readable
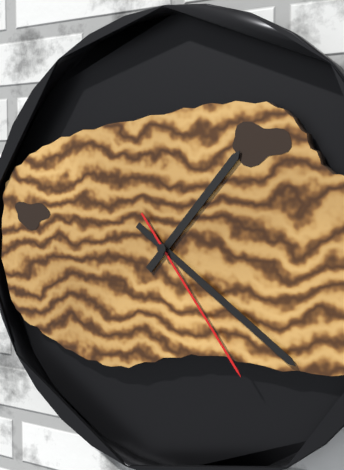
1:21:24
